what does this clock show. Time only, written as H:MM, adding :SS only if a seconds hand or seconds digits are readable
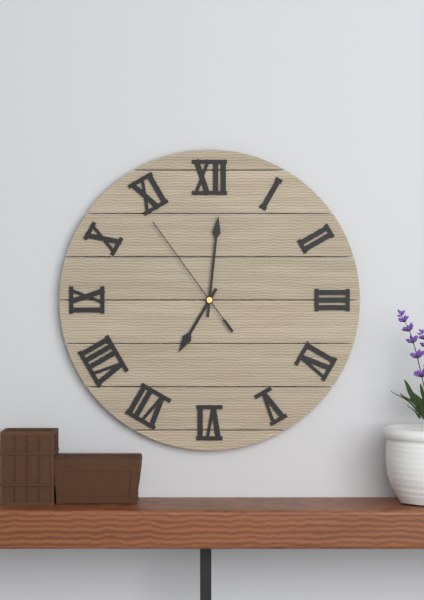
7:01:54
